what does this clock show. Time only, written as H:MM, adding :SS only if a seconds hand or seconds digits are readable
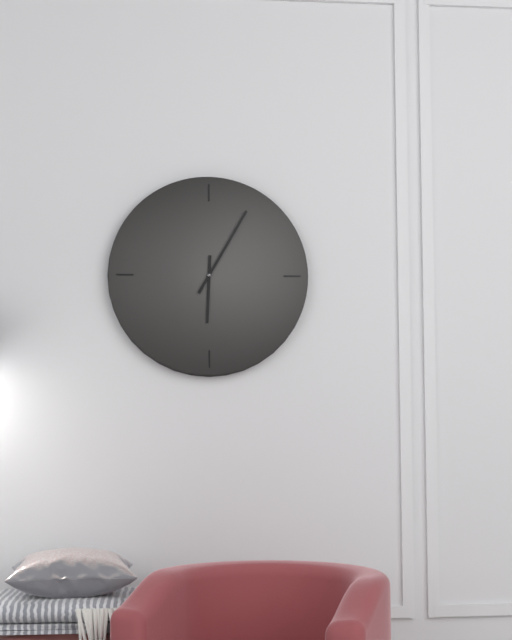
6:05
